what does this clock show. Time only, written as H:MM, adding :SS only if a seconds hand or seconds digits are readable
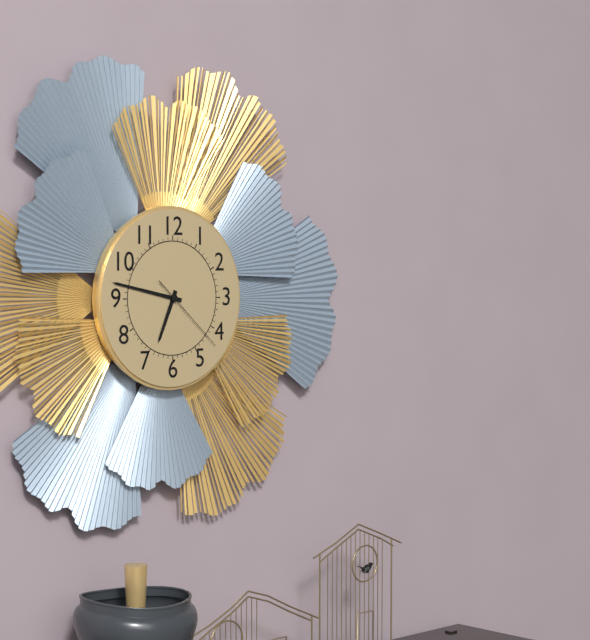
6:47:22
